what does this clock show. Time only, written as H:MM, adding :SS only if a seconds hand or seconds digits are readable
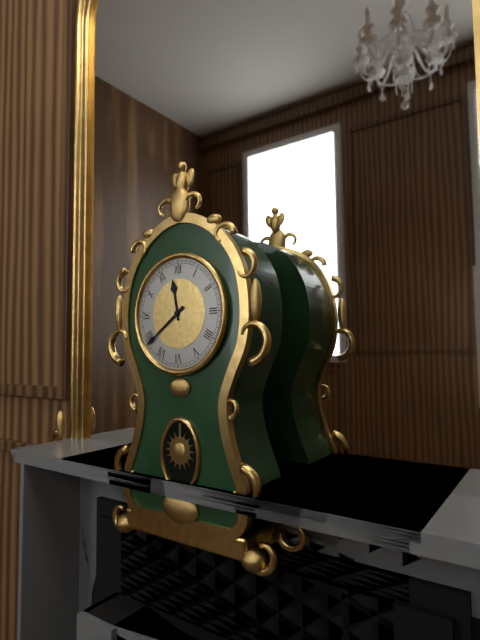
11:39
